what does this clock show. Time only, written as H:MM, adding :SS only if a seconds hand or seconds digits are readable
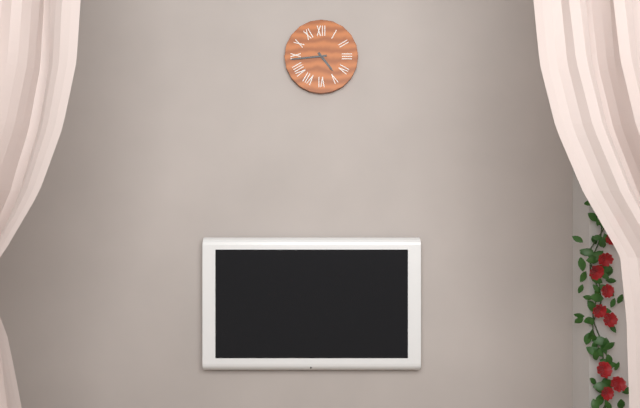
4:44
